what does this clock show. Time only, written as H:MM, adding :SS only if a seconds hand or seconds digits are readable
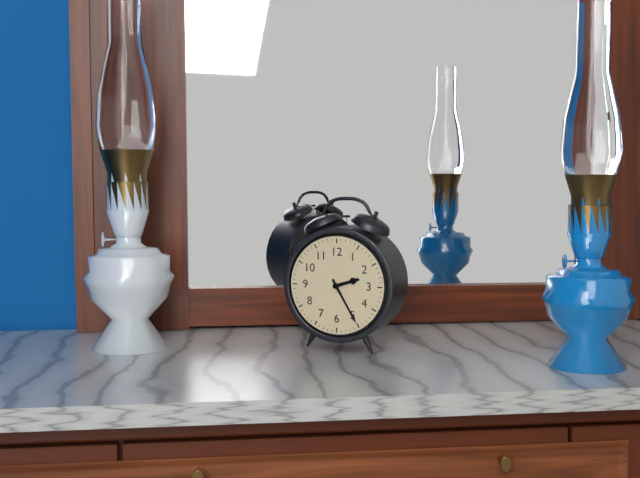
2:25
